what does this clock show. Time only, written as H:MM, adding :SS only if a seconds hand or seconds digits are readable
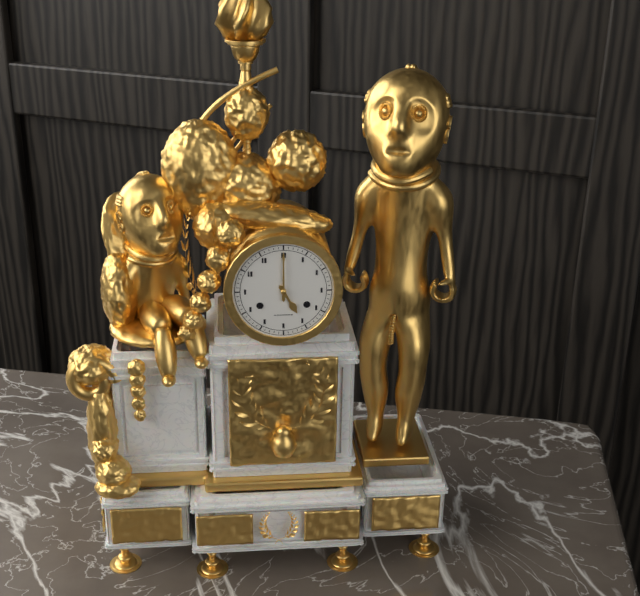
5:00
